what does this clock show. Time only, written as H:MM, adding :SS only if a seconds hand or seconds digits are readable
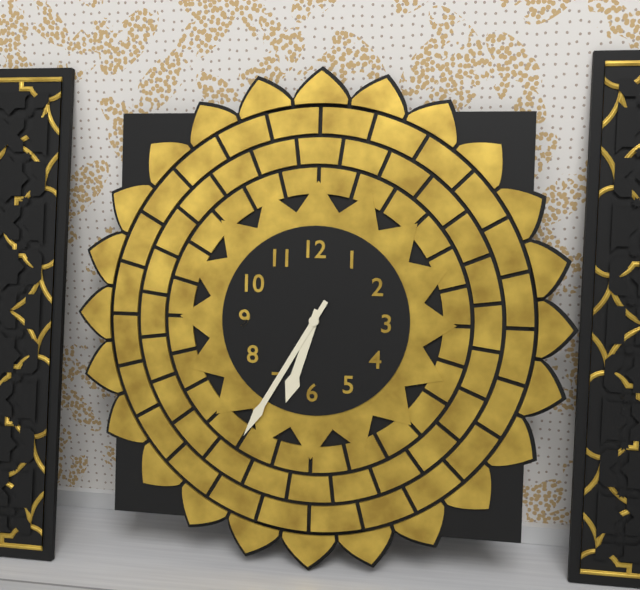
6:35
